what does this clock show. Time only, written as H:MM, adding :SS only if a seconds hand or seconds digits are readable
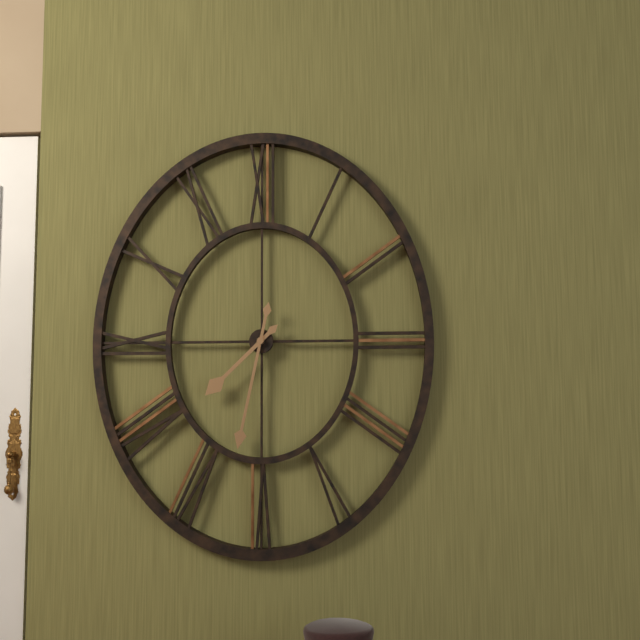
7:32
